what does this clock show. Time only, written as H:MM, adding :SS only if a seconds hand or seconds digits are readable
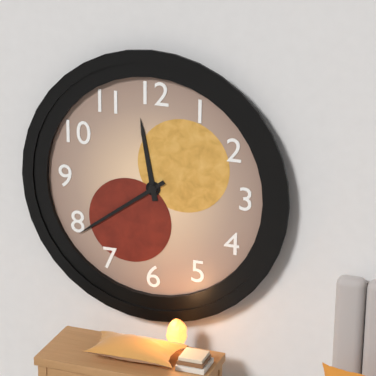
11:39
